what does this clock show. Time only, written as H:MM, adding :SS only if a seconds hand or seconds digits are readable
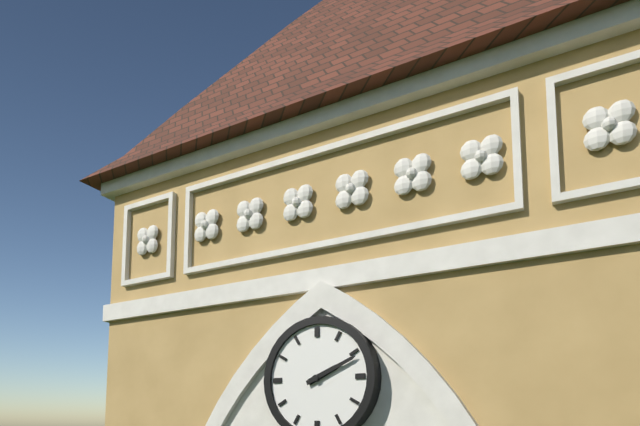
2:11
